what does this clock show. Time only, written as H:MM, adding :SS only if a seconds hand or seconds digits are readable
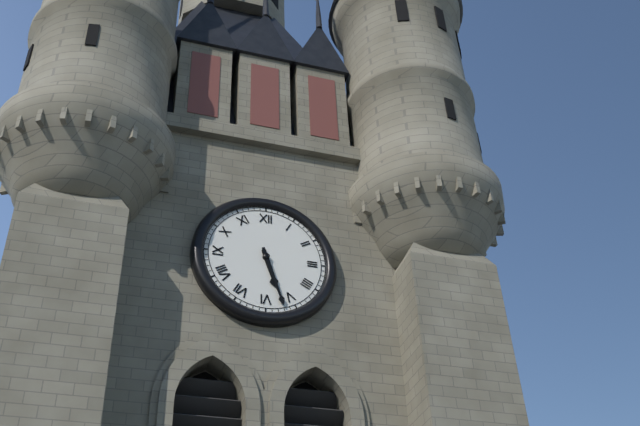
5:27
